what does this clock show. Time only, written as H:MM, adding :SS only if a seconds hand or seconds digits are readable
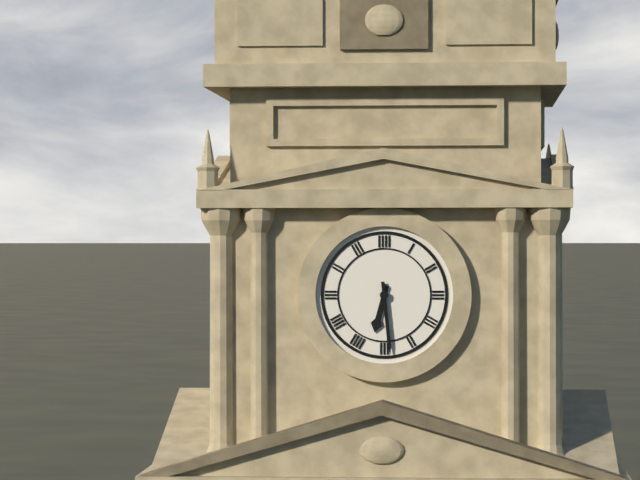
6:29
